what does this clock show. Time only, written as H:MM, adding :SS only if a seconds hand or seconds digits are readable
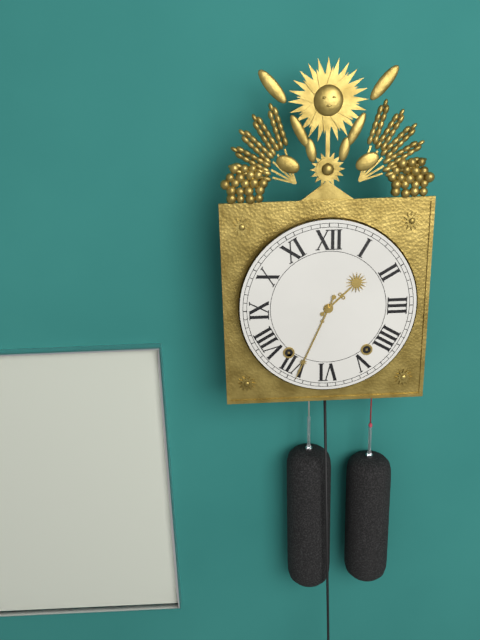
1:34
